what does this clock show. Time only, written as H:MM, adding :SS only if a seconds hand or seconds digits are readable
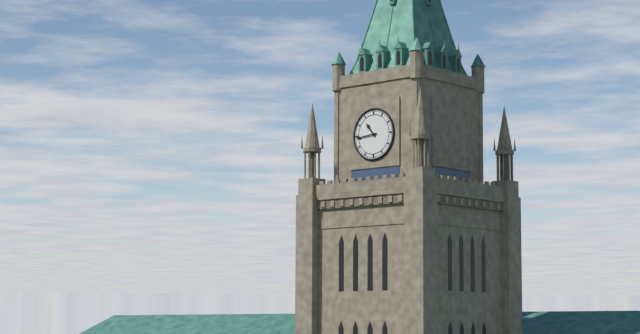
10:44
